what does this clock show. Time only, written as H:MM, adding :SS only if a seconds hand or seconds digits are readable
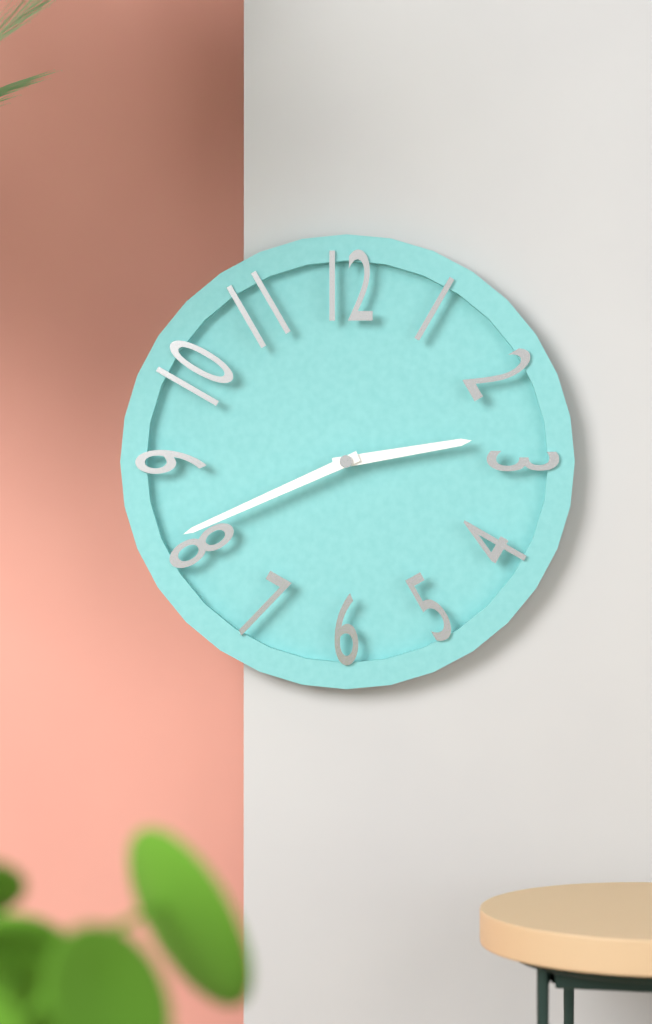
2:41
